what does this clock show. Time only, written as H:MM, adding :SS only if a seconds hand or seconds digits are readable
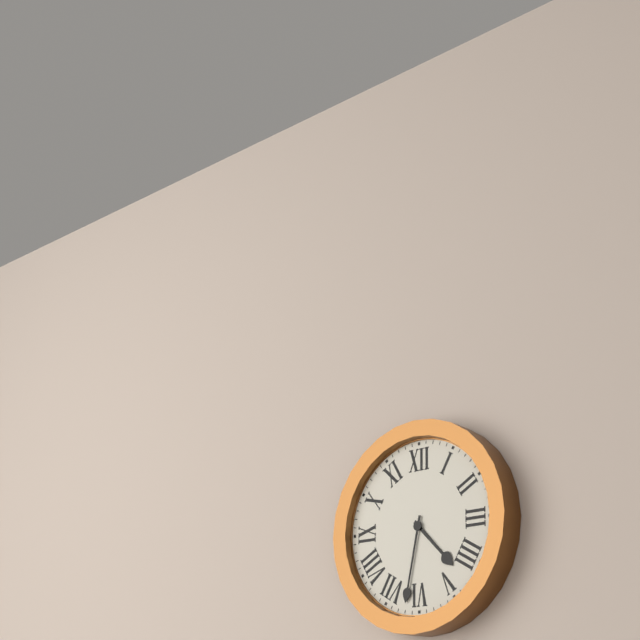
4:32
